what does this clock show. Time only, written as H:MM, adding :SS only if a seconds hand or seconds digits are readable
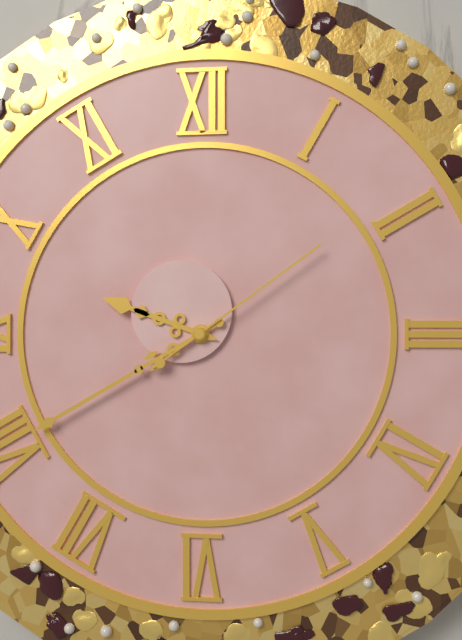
9:40:09
